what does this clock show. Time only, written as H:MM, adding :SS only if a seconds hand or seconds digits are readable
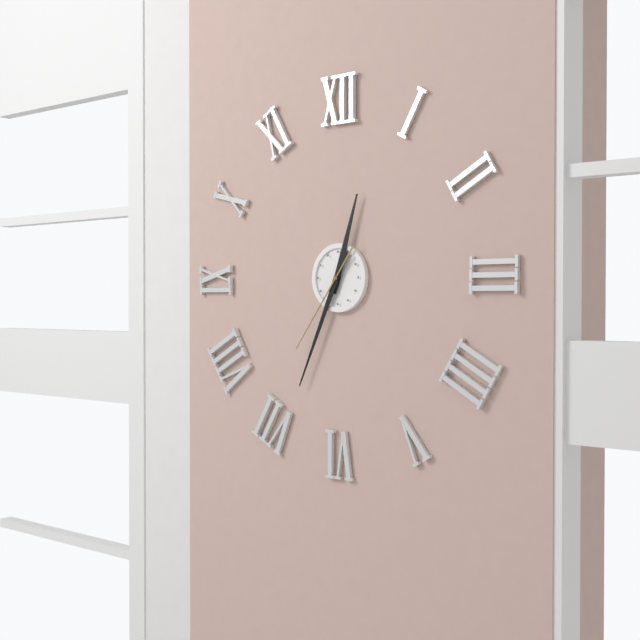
12:34:36
